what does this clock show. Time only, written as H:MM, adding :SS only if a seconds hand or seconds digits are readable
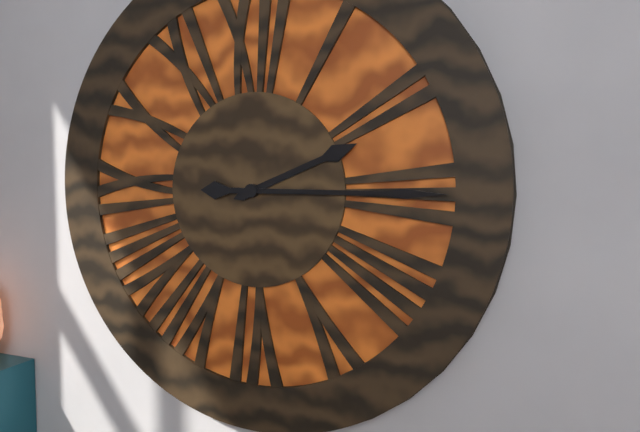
2:15
